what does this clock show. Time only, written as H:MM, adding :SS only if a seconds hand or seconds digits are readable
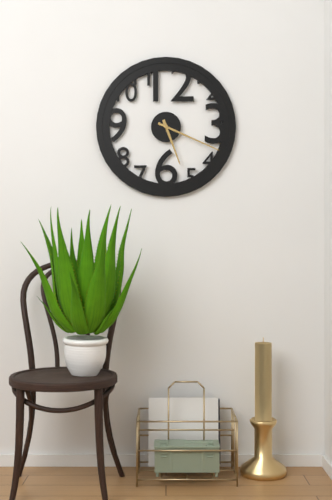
5:19
